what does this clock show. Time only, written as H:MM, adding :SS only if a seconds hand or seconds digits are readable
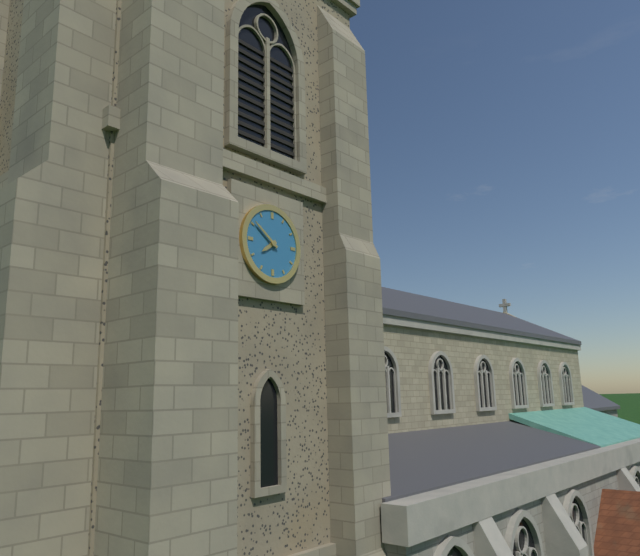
7:51
